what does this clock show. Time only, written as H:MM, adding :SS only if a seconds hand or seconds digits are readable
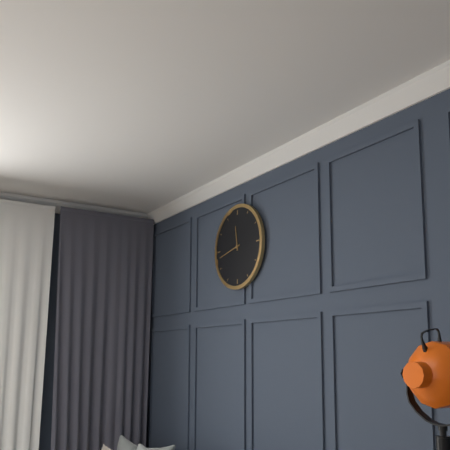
11:43
